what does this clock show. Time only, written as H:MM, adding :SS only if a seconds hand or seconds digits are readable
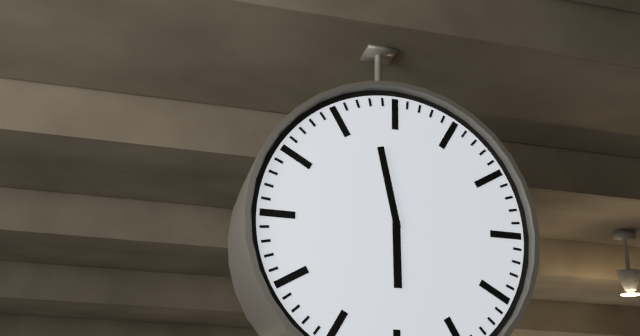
5:58
